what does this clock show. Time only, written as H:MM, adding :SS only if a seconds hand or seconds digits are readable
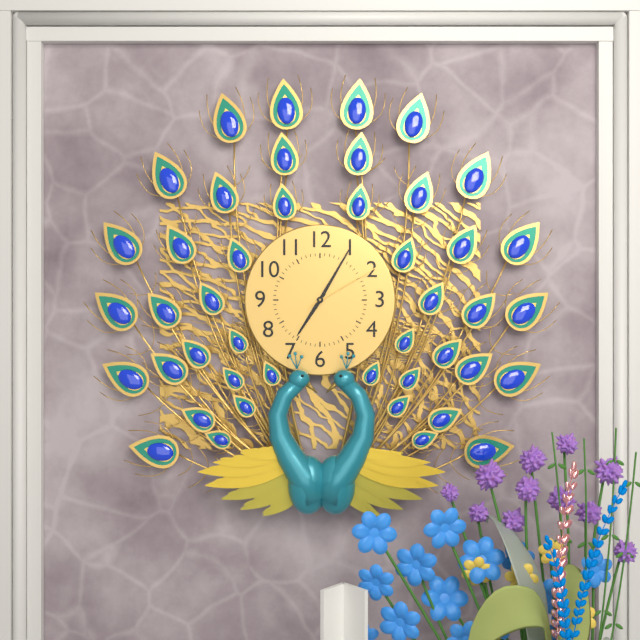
7:05:10
